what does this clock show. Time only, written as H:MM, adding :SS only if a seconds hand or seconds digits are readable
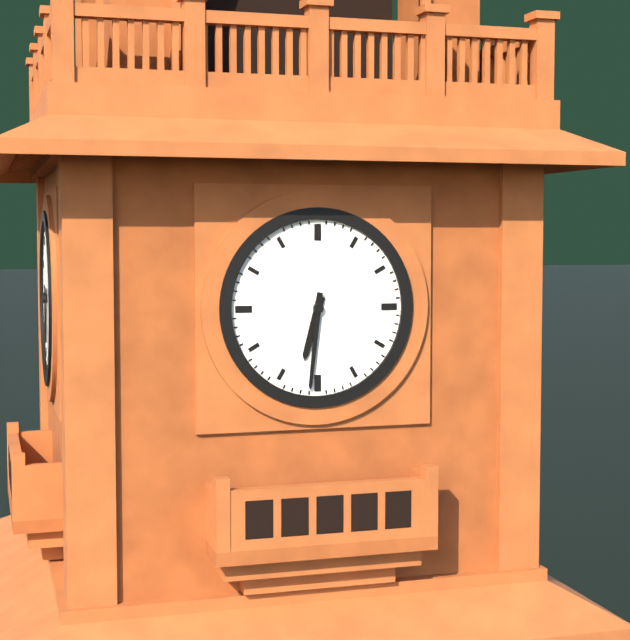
6:31
